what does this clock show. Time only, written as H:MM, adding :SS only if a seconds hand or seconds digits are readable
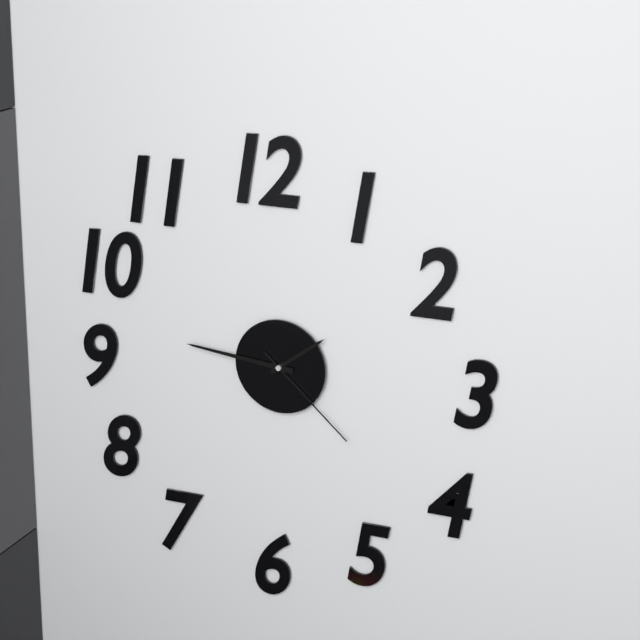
1:46:22
